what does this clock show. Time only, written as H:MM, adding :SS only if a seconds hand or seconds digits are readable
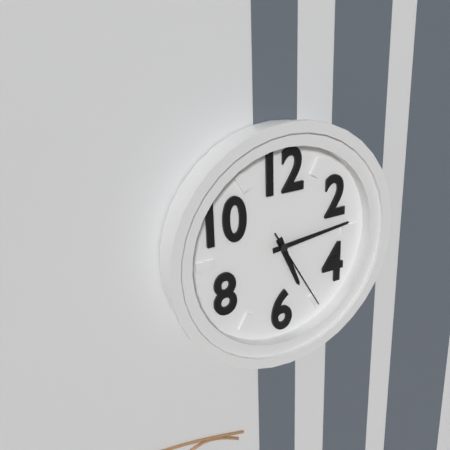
5:14:25
